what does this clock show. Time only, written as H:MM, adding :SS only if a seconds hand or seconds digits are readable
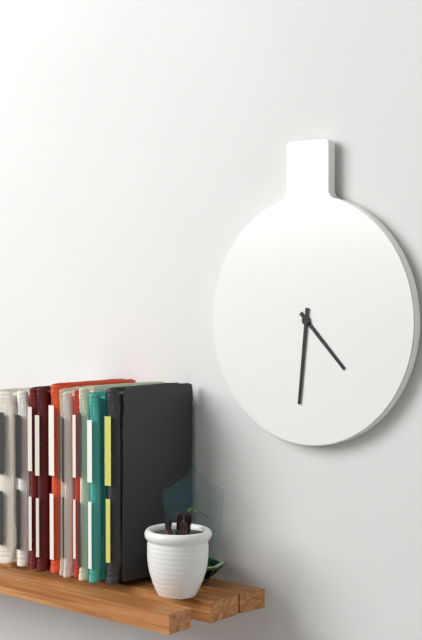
4:31
